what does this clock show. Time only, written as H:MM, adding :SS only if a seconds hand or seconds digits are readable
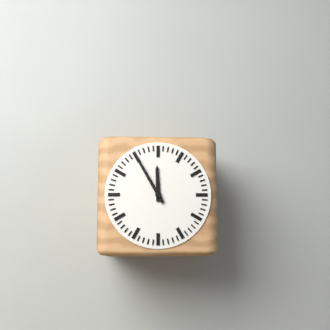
11:55
